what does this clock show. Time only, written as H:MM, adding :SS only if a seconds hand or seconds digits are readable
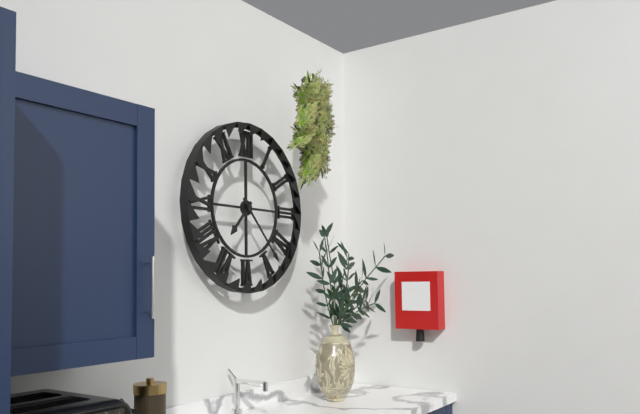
7:23
